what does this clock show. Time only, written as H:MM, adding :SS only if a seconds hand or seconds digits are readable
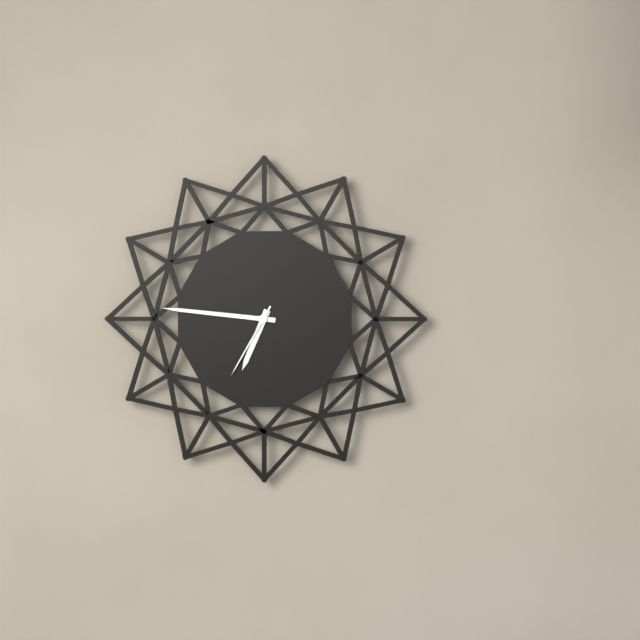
6:46:35
